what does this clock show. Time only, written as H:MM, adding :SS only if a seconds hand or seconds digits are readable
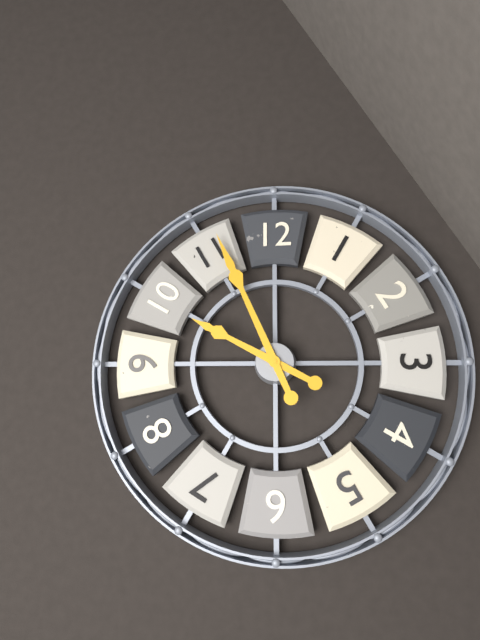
9:56
